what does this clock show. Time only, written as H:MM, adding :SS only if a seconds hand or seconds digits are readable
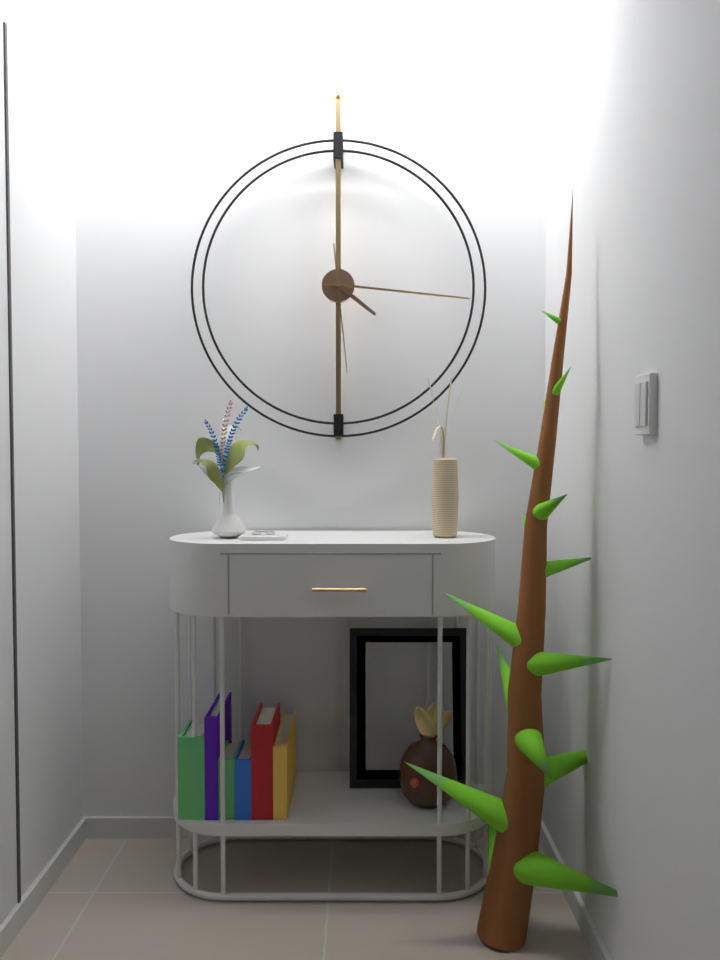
4:16:29
